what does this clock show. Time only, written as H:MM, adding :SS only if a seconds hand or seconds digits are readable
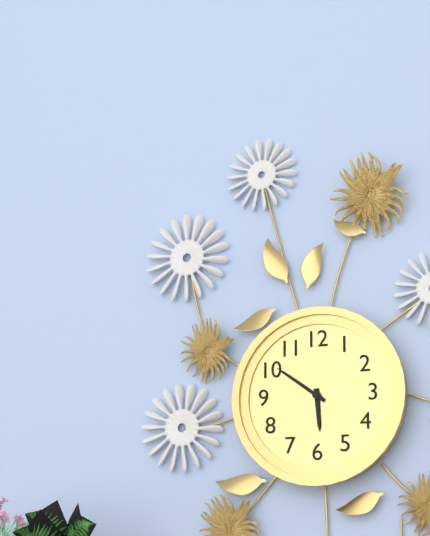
5:51
